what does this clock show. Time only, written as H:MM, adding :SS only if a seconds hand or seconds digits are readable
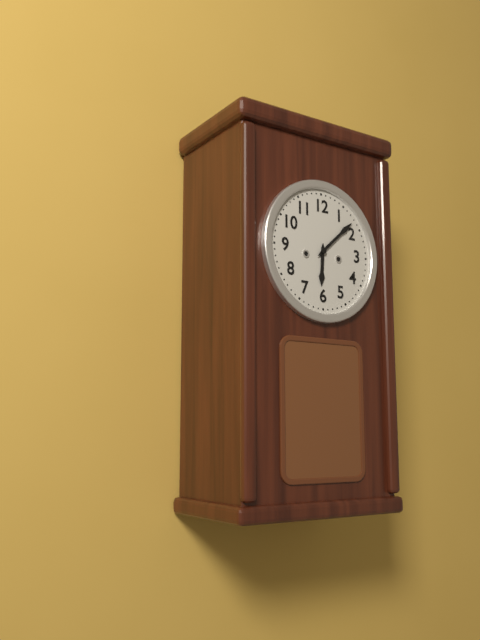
6:08
